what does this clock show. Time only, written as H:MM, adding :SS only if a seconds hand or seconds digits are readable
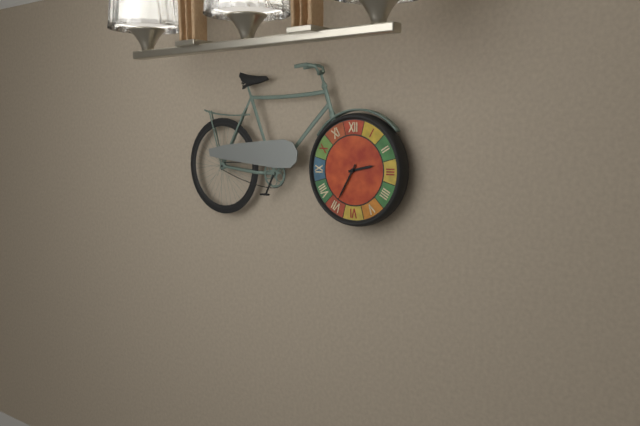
2:35
